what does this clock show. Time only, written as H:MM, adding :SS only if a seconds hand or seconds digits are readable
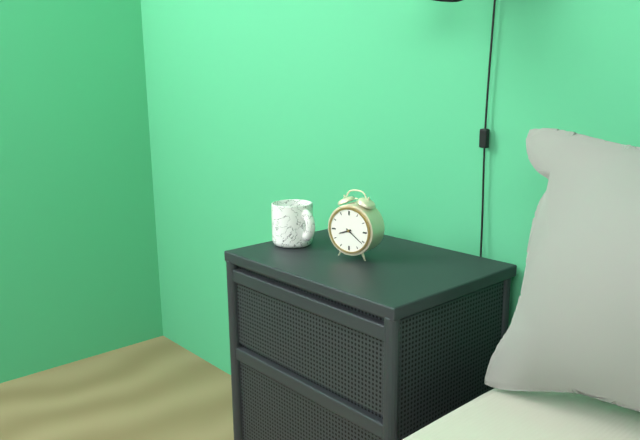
8:21
